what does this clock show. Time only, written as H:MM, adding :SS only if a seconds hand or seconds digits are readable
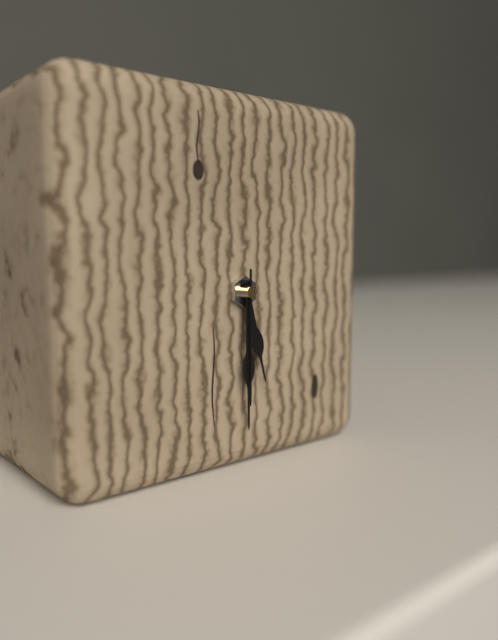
5:30:30
